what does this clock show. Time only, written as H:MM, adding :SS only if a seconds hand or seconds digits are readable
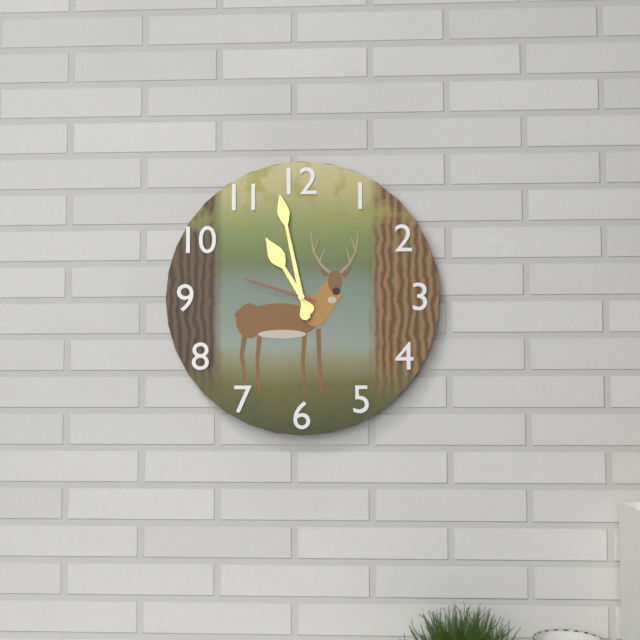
10:58:48
